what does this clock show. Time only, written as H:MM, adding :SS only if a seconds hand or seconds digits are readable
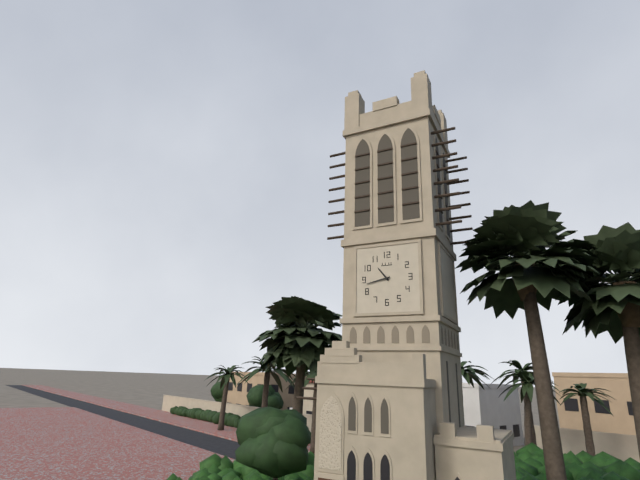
10:43
